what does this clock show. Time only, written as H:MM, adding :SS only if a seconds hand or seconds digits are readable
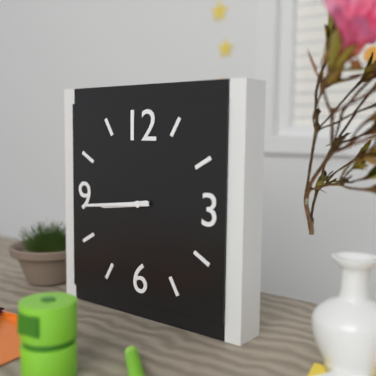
8:44
